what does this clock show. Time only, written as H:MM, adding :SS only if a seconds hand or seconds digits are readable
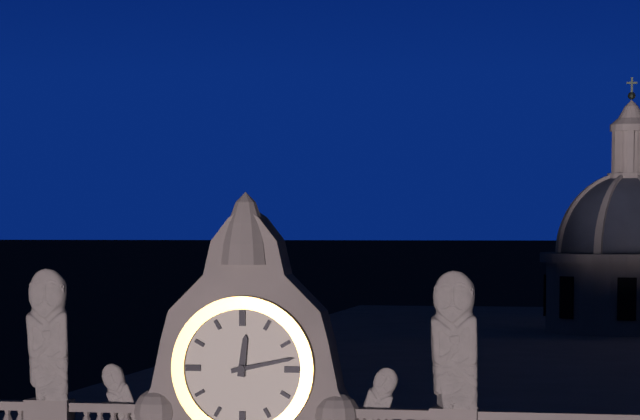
12:13
